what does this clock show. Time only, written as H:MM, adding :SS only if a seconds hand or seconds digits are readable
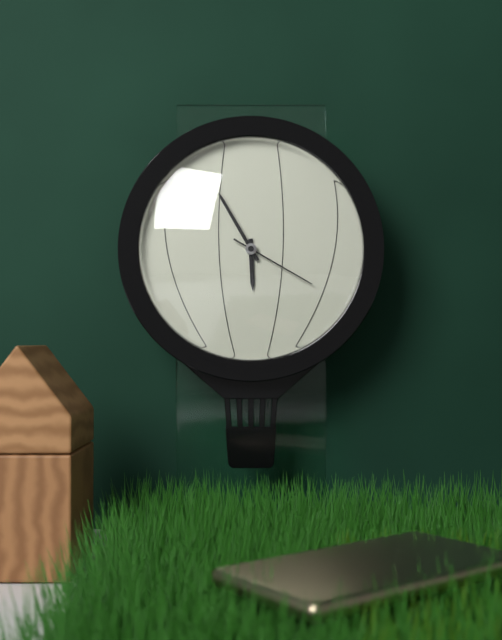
5:55:20
